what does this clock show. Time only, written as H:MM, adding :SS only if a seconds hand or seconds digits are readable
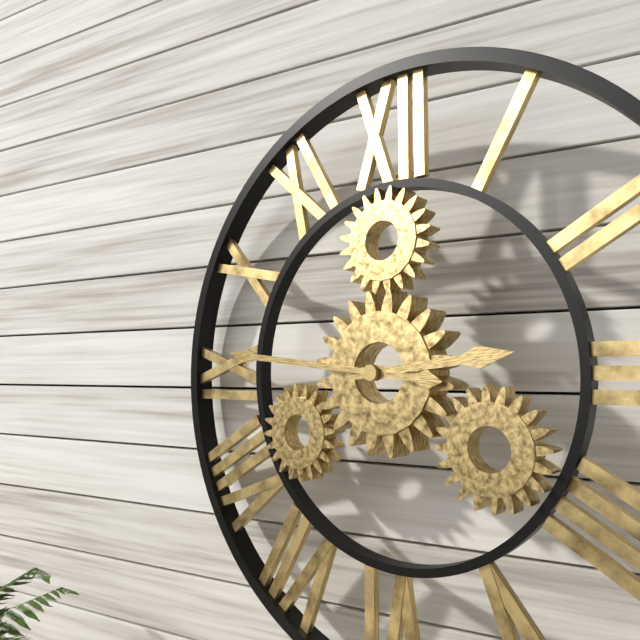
2:46
